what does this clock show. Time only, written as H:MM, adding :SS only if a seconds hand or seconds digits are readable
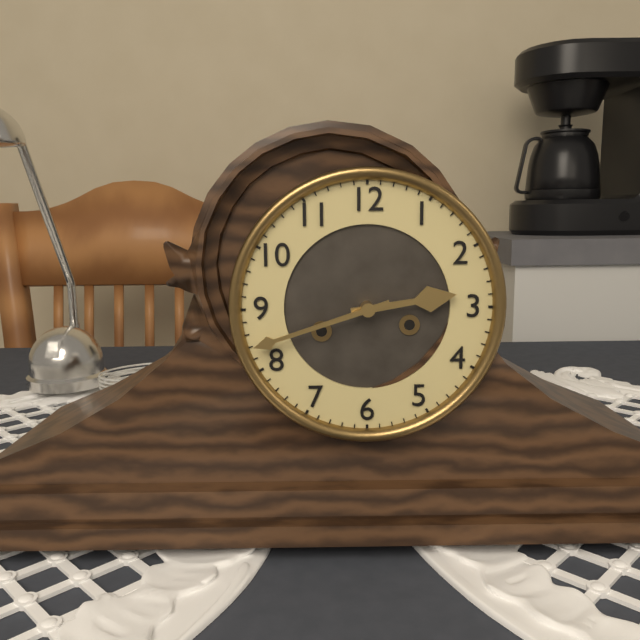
2:42
